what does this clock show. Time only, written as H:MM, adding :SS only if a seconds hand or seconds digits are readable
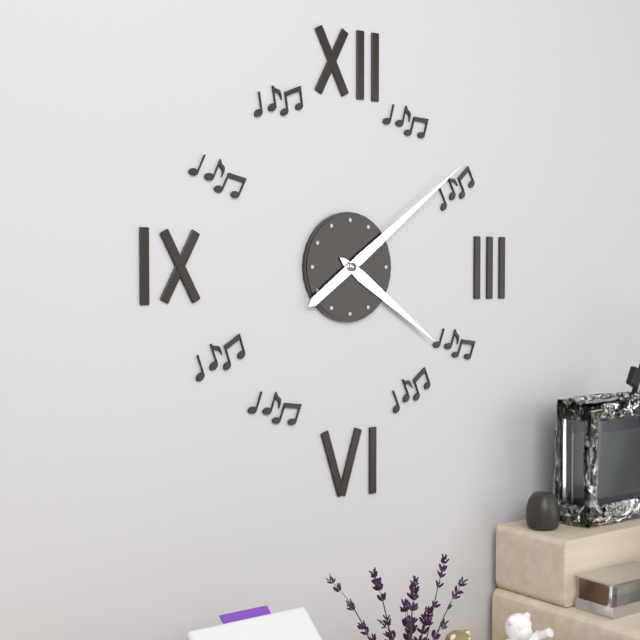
4:09
